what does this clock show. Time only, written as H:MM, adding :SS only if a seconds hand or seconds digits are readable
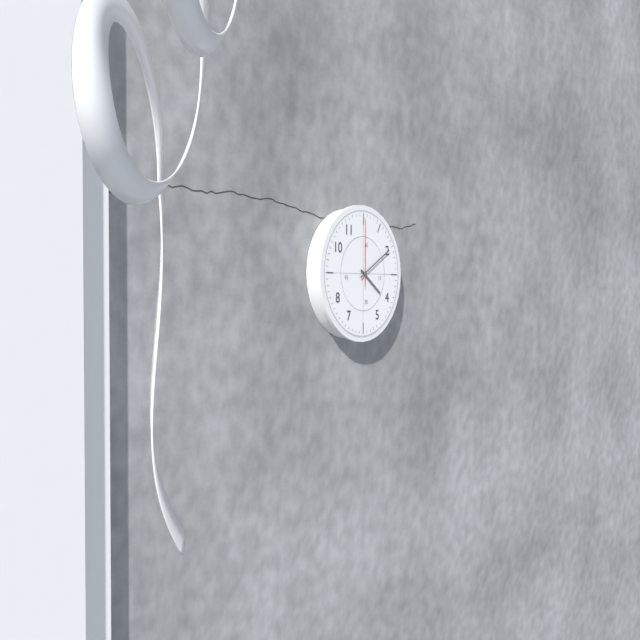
4:10:00
